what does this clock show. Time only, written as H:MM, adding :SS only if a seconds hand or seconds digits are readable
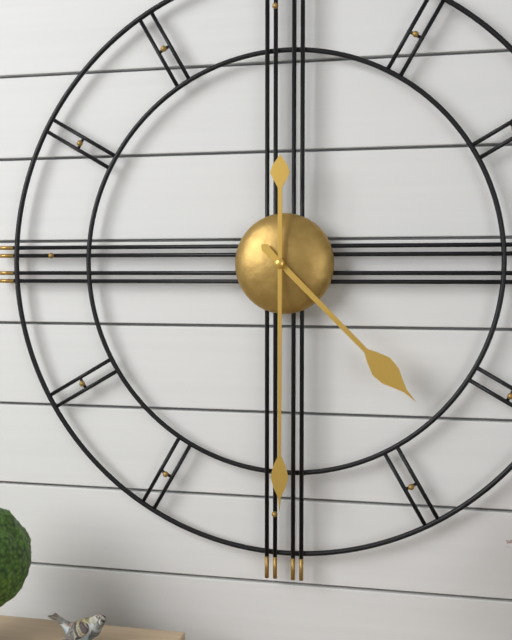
4:30
